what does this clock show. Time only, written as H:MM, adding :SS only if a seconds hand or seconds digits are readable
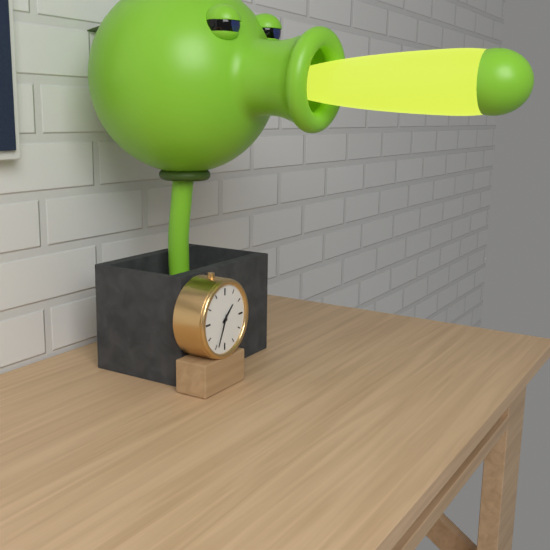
1:34
